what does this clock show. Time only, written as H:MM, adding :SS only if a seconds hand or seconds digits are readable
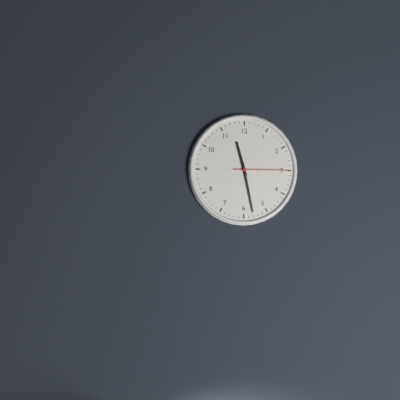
11:28:15
